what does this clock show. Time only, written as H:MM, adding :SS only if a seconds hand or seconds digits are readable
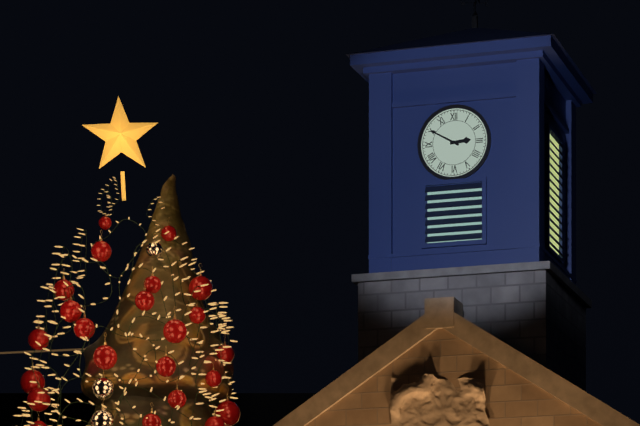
2:50
